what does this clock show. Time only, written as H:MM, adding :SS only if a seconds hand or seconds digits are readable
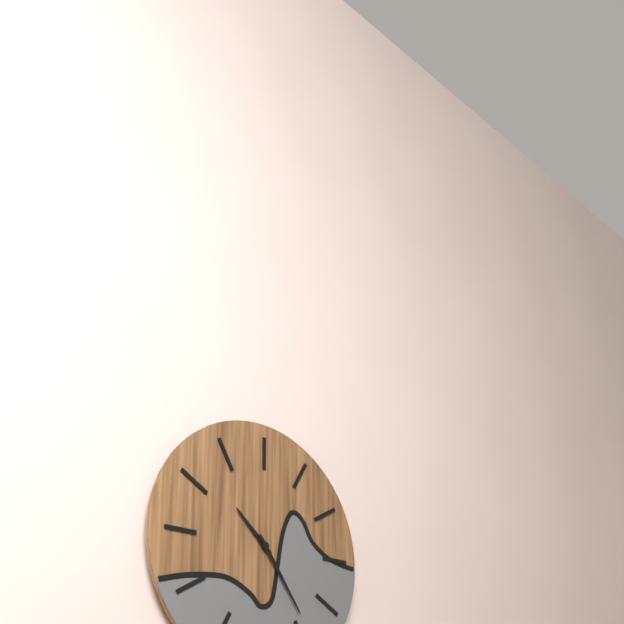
10:24
